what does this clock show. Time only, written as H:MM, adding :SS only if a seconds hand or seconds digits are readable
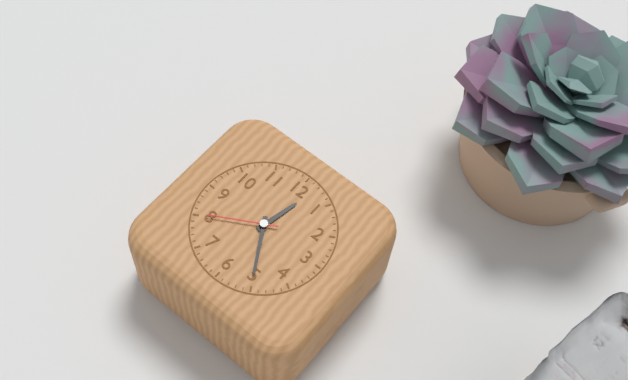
12:25:40
